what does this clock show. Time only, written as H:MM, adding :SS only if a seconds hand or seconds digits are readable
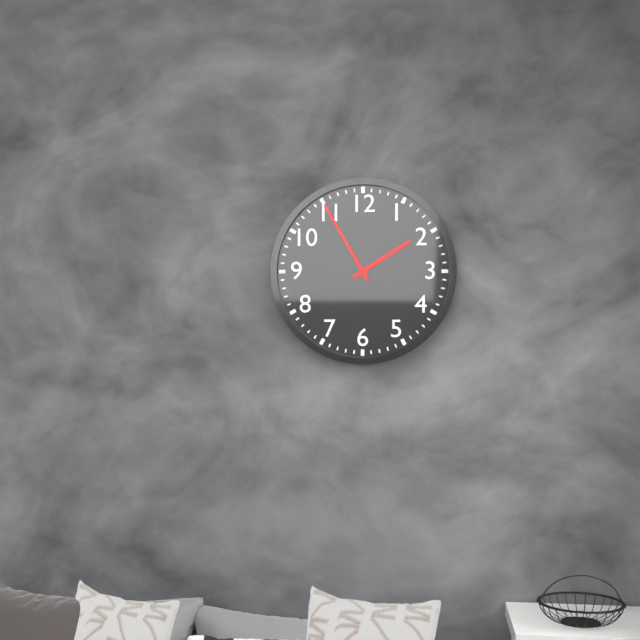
1:55
